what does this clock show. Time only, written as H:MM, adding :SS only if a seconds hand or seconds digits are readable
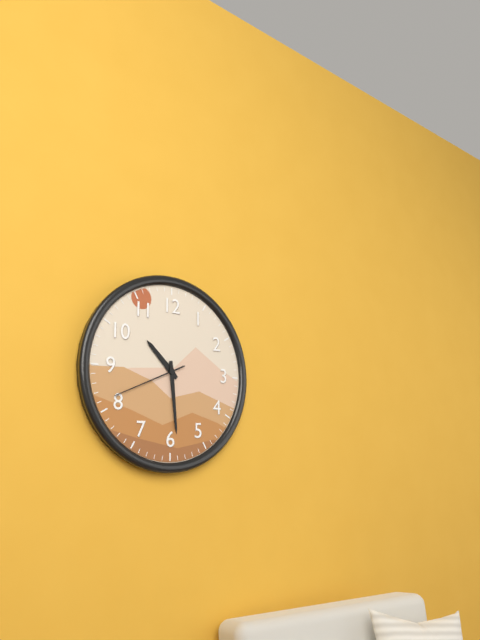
10:29:41
